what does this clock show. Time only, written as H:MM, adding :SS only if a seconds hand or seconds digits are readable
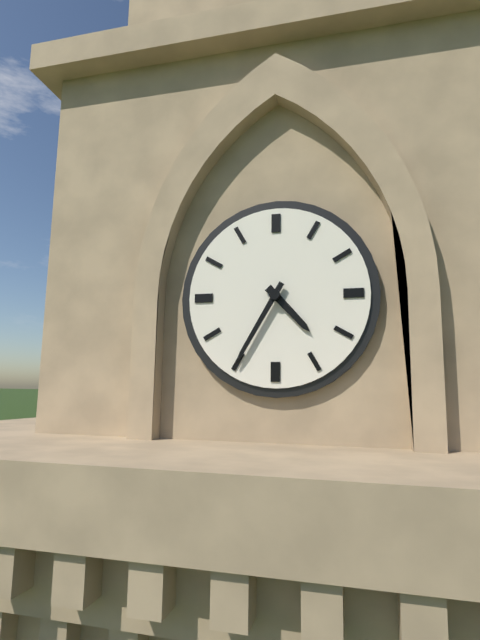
4:35
